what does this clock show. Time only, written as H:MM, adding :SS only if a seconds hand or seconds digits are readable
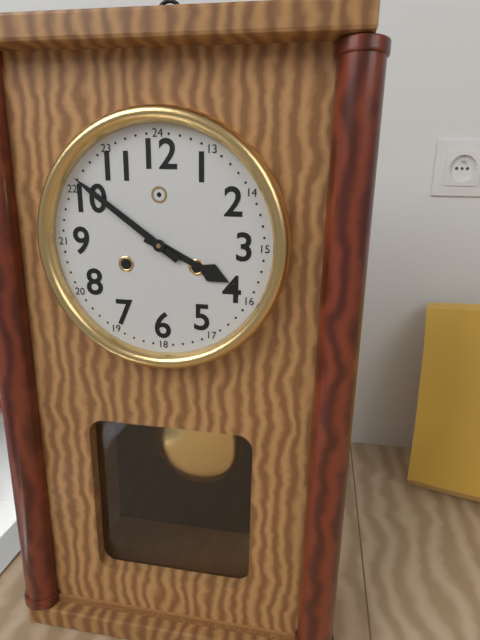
3:51
